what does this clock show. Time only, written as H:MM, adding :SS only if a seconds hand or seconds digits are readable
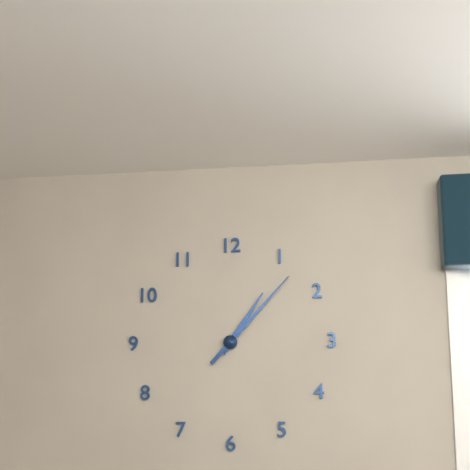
1:07
